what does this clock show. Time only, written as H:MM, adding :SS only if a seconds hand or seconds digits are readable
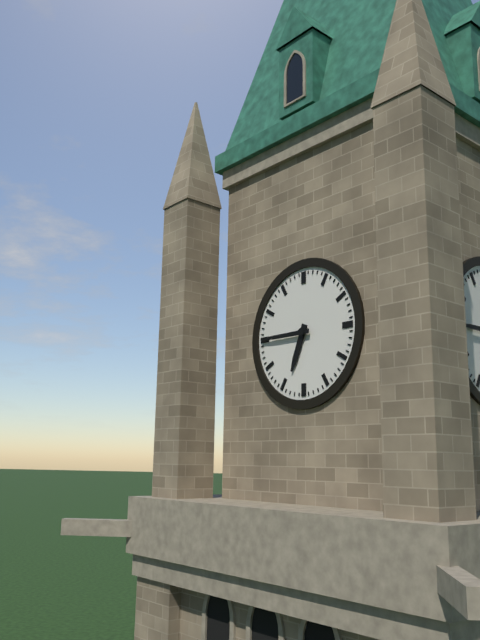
6:45
